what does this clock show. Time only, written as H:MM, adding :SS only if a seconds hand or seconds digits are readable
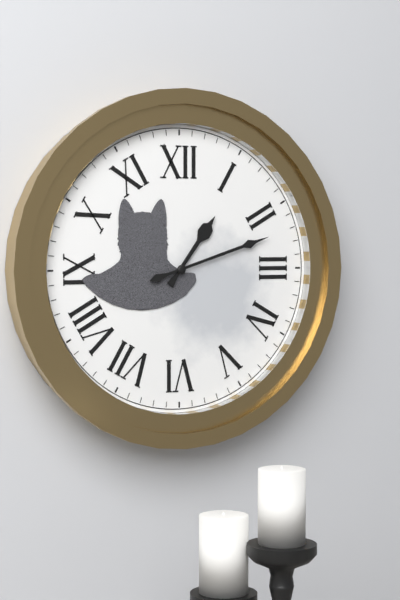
1:12
